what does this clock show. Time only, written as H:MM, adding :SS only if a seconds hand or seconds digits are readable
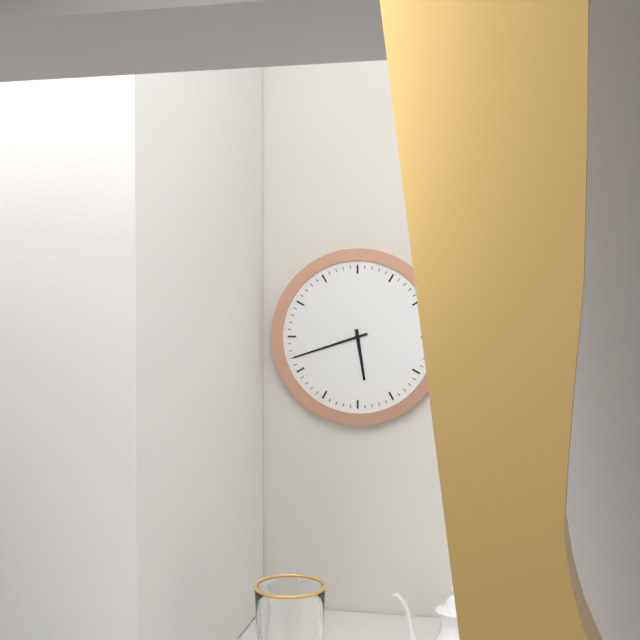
5:42
